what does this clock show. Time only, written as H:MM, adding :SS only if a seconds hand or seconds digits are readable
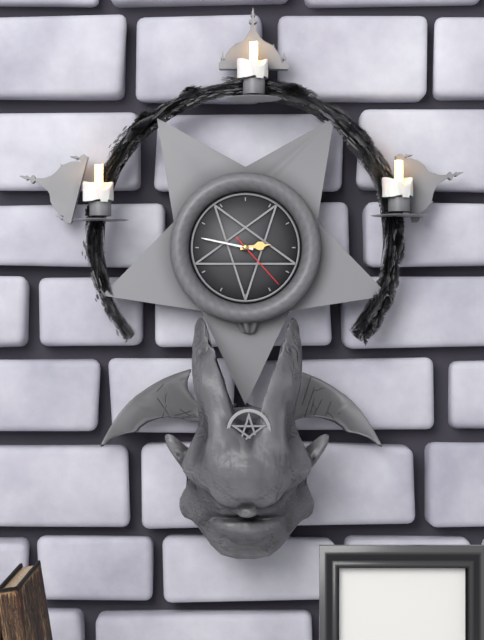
2:47:23
